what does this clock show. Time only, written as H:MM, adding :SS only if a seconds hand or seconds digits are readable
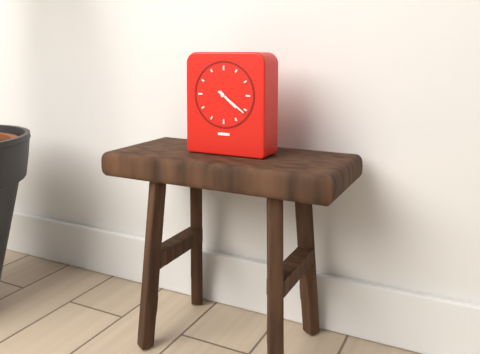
4:21
